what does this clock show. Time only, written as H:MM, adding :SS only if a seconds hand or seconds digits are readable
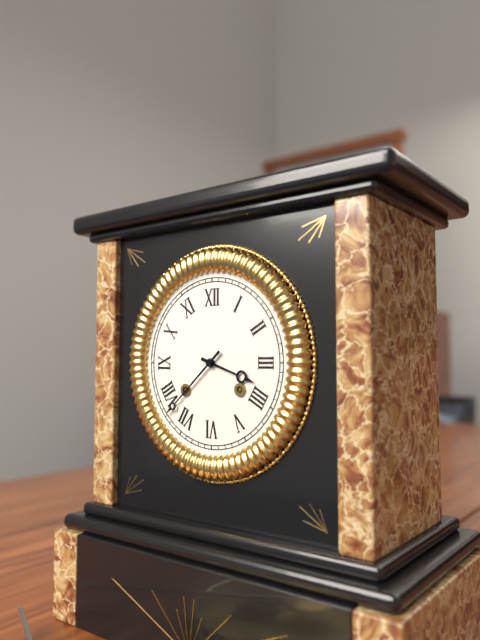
3:38
